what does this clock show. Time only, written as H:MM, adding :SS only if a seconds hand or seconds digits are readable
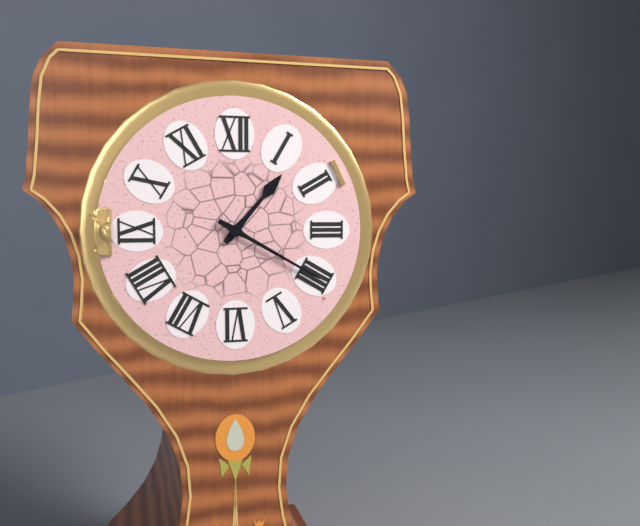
1:20
